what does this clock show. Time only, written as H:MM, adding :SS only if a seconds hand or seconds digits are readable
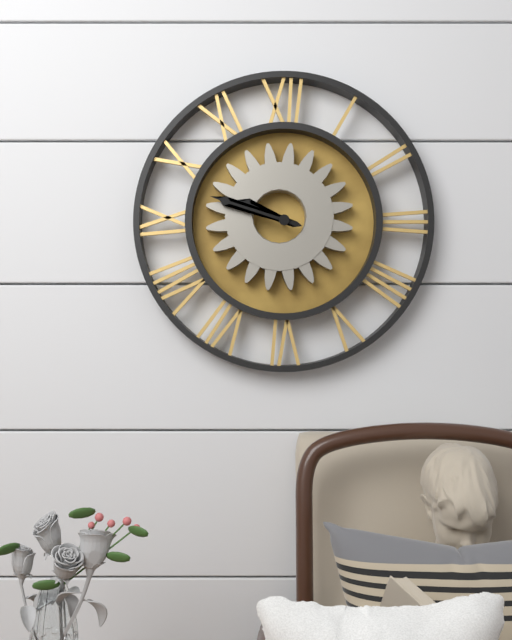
9:48
